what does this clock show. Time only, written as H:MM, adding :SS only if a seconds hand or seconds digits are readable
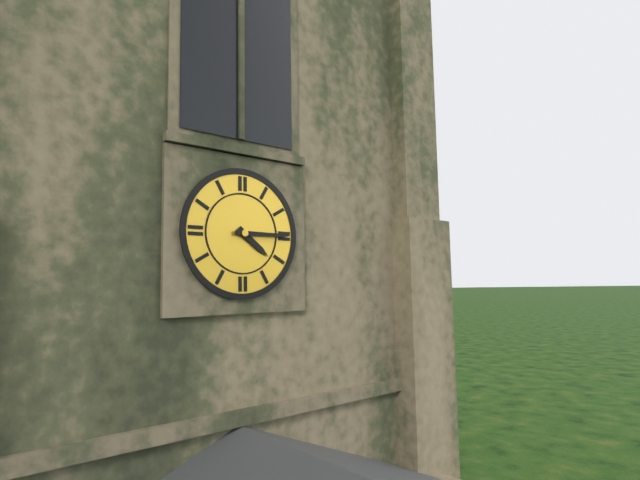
4:15
